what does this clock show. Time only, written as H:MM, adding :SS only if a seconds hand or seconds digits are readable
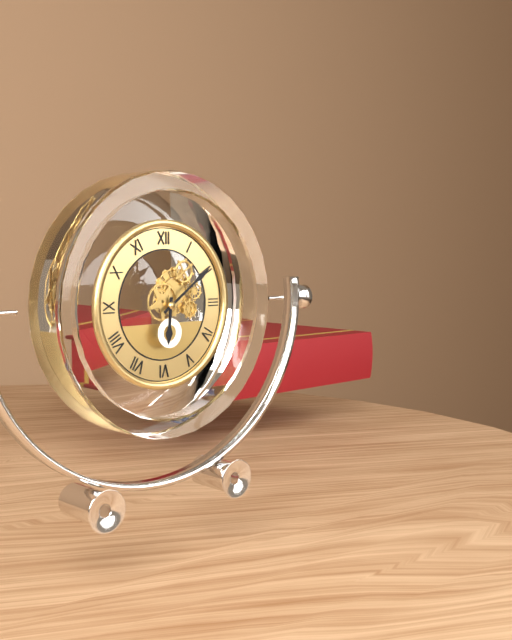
6:09
